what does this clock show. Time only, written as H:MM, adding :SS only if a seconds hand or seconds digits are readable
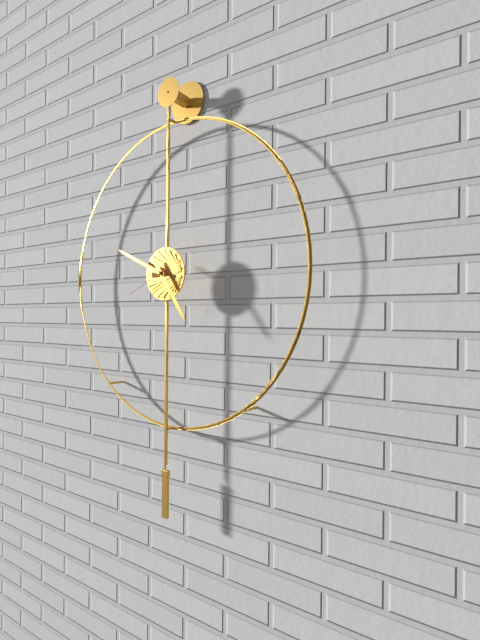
4:49
